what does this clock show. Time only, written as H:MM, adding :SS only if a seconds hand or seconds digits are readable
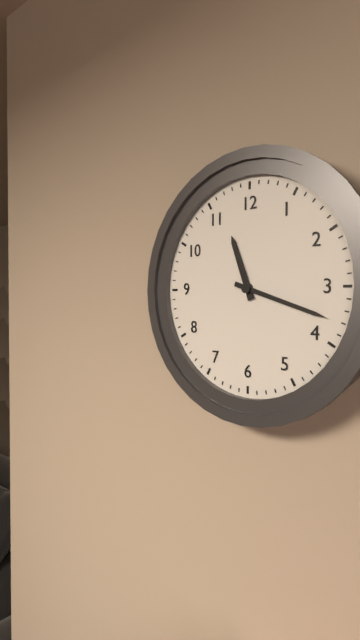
11:18
